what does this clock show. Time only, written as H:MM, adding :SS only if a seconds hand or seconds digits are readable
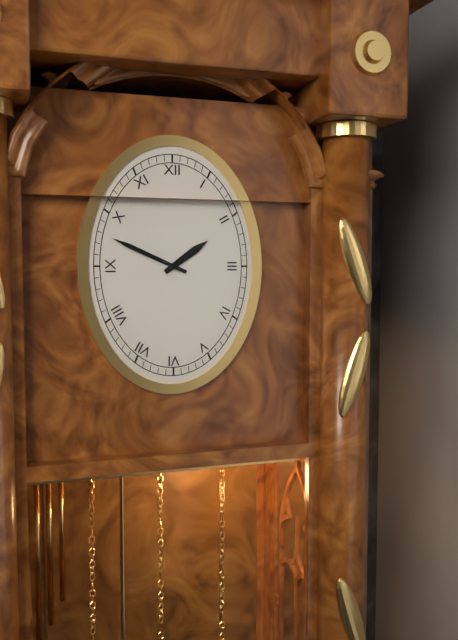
1:49
